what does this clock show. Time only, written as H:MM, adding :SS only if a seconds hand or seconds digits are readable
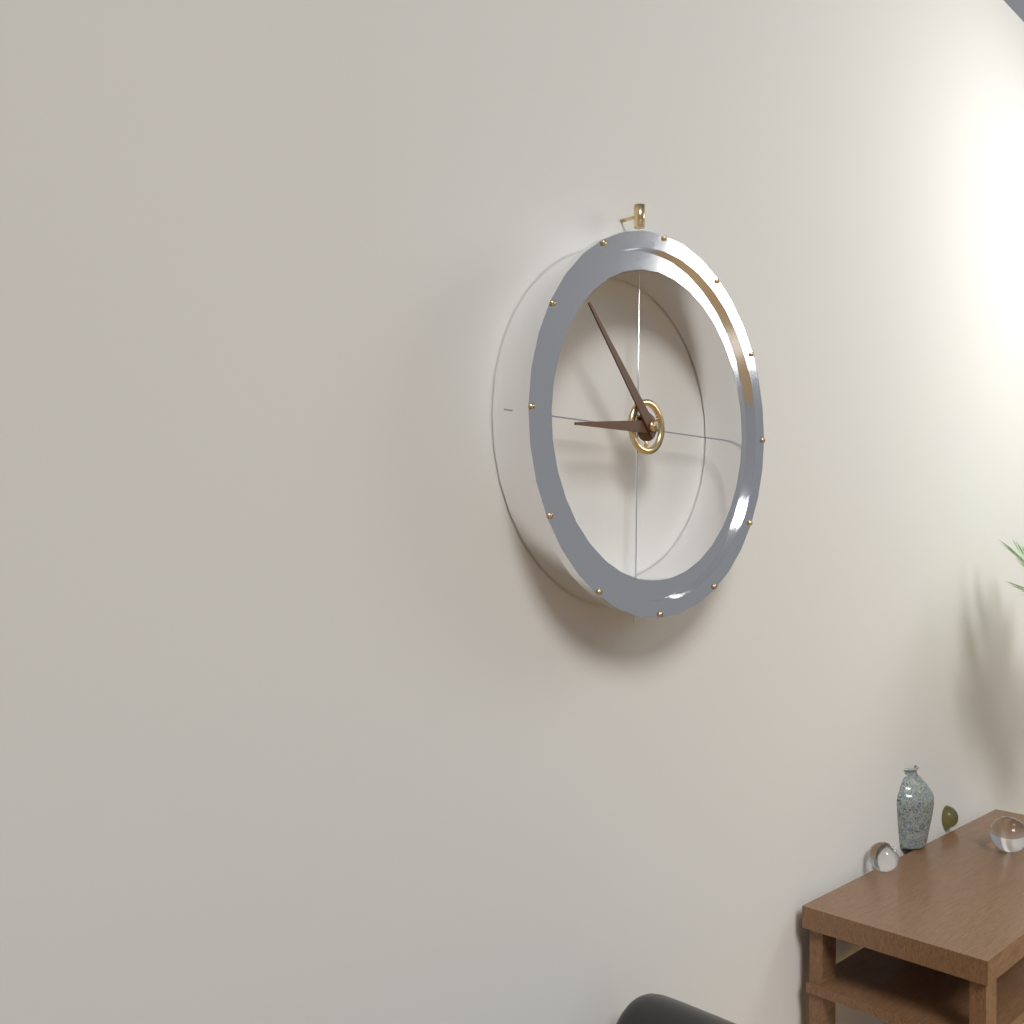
8:53
